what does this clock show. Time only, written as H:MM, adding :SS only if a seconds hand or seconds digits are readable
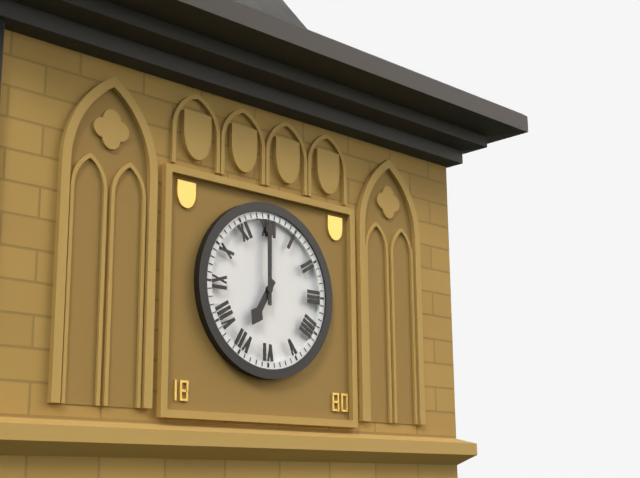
7:00
